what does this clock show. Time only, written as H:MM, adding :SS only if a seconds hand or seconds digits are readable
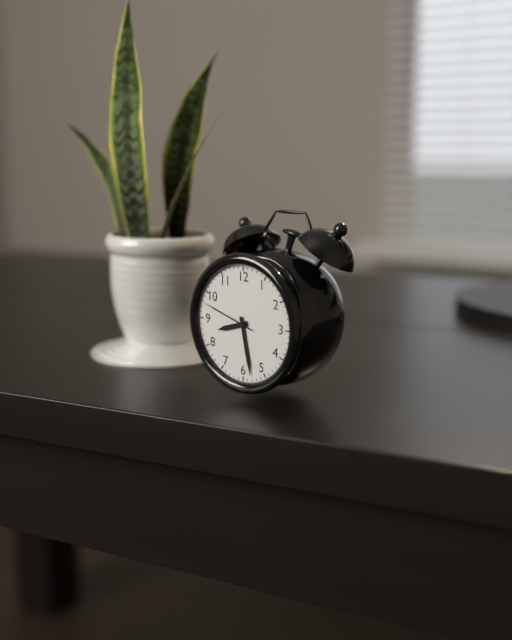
8:28:48
